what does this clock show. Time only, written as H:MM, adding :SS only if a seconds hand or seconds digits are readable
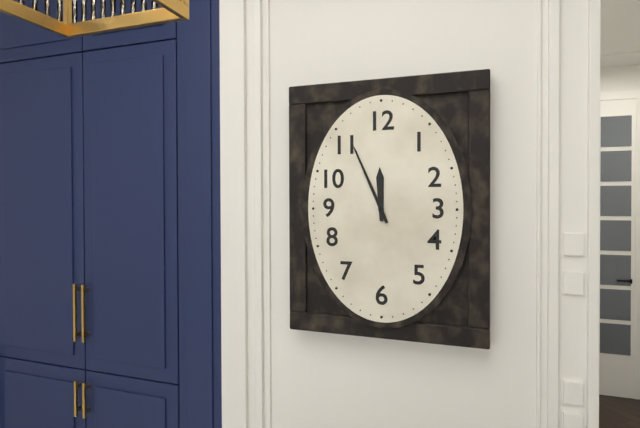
11:56
